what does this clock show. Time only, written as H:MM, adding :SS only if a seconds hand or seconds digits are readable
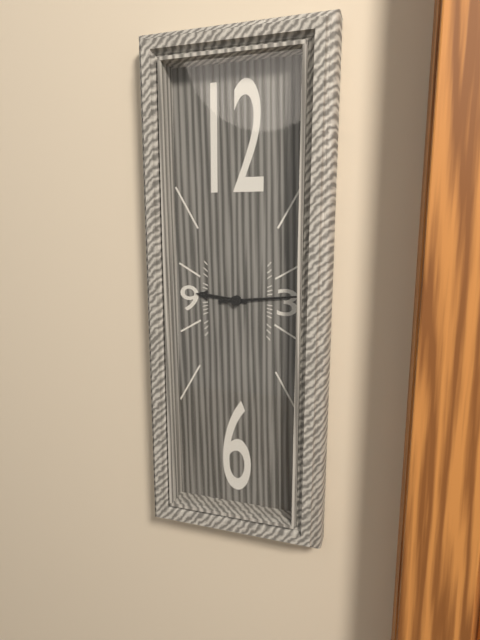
9:14
